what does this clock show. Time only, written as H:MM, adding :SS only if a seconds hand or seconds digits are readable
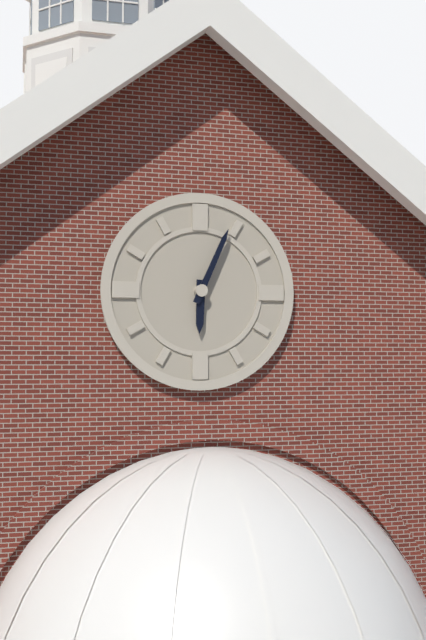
6:04
